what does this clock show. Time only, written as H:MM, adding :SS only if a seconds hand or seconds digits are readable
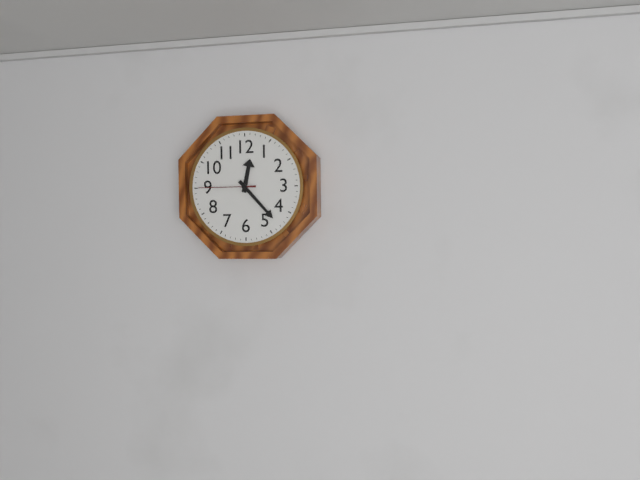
12:23:45
